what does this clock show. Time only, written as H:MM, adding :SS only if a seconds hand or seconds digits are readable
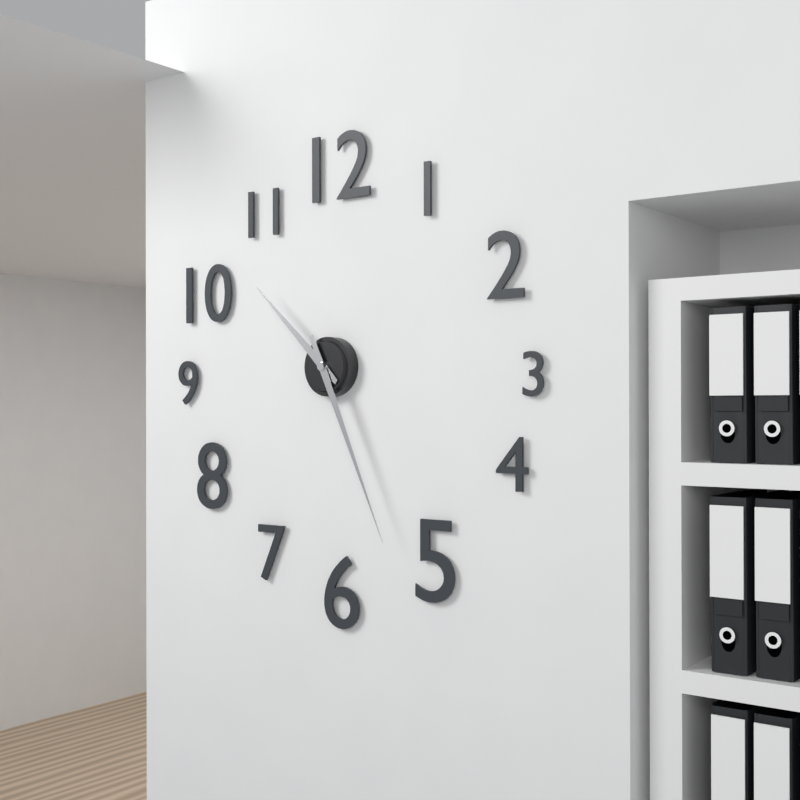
10:26
